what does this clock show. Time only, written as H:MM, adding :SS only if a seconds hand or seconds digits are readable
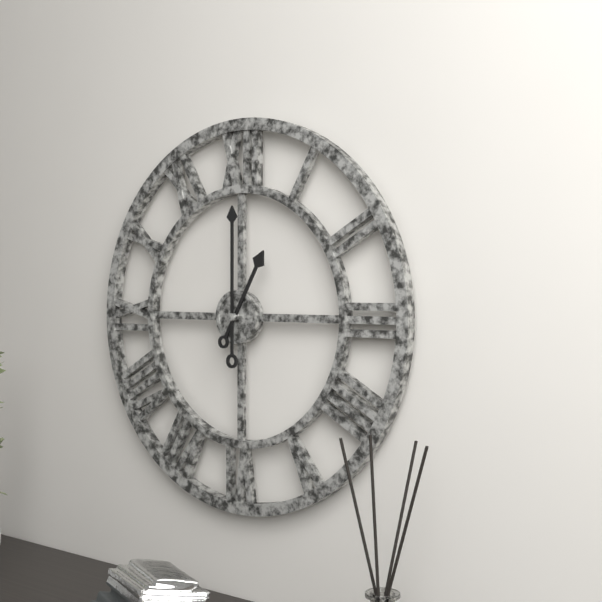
1:00
